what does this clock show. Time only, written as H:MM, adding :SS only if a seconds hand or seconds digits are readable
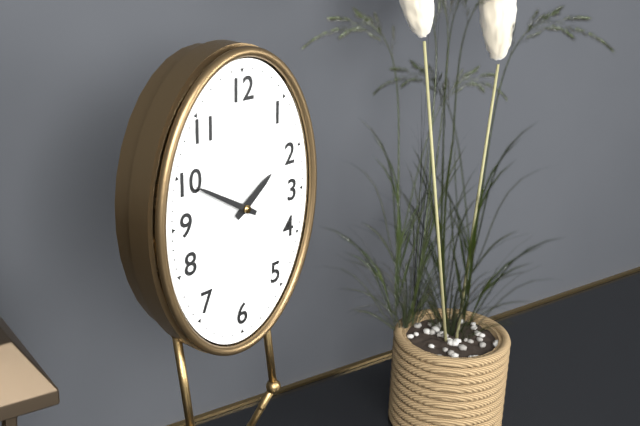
1:50
